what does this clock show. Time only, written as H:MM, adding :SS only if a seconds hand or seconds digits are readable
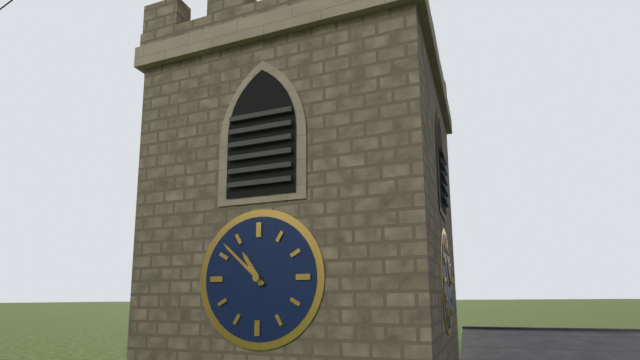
10:52
